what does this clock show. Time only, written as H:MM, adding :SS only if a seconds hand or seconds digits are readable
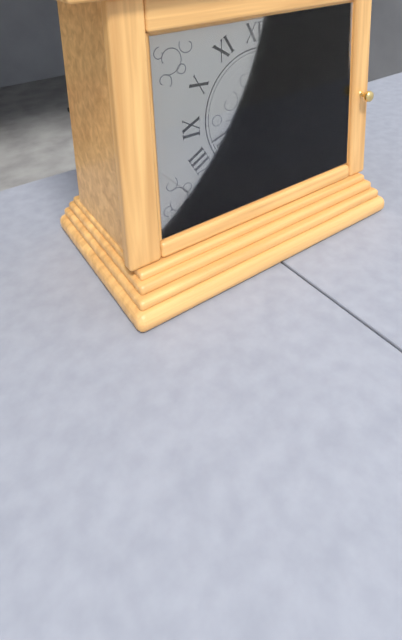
7:42:41
